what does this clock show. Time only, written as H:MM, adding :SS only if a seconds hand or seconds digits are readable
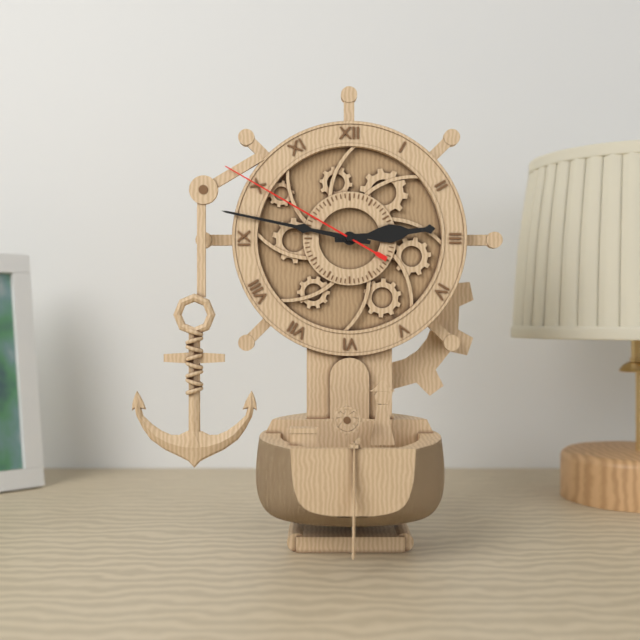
2:47:50
